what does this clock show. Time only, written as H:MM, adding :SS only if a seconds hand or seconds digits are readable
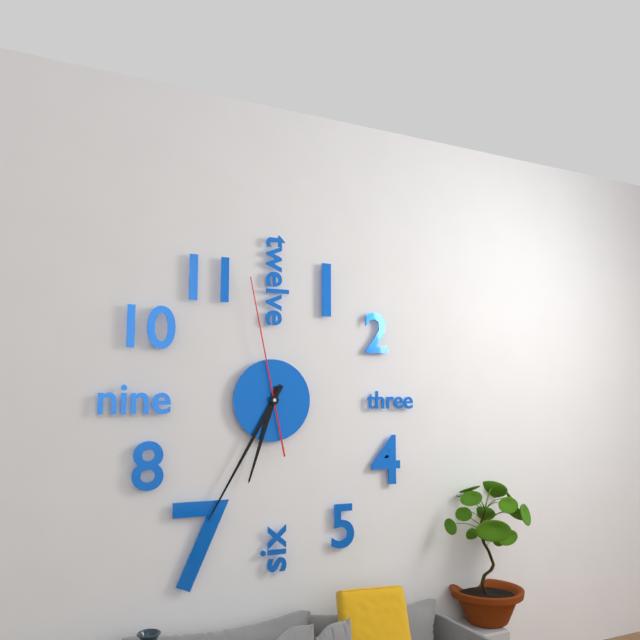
6:35:58
